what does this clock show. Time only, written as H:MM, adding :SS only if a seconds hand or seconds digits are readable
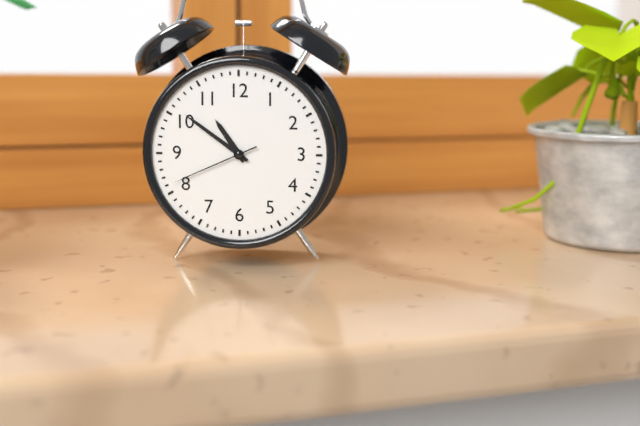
10:51:41
